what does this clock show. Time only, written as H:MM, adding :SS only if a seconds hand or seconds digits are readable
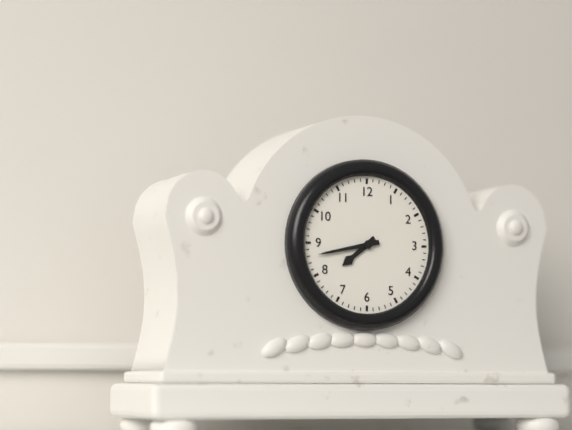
7:43
